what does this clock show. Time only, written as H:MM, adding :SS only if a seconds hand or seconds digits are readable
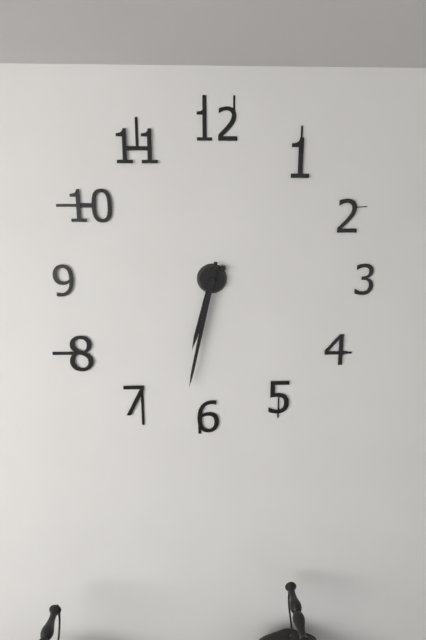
6:32
